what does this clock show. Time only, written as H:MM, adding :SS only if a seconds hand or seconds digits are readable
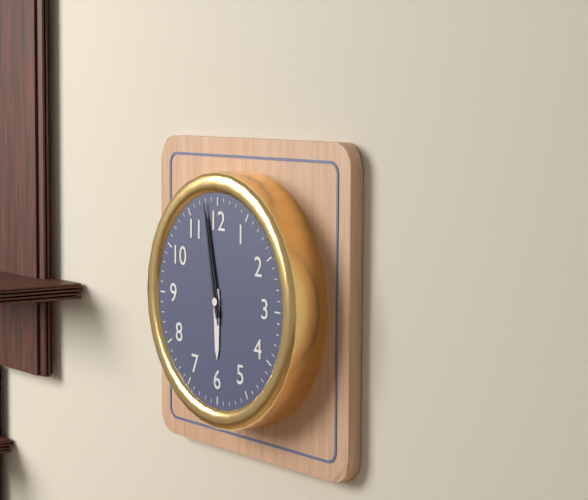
5:58:58
